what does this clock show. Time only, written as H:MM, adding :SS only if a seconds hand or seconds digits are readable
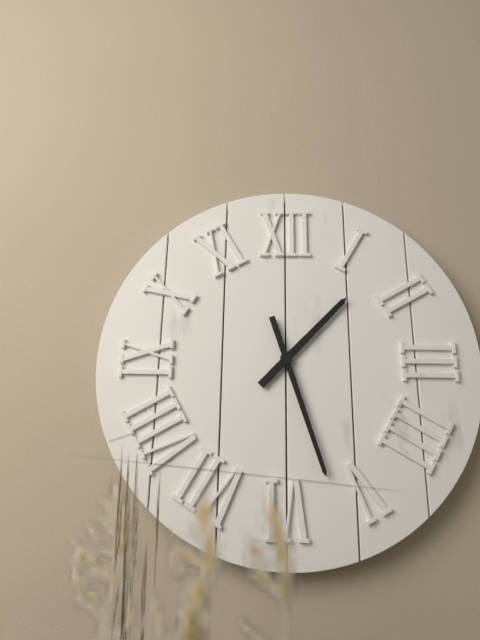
1:27
